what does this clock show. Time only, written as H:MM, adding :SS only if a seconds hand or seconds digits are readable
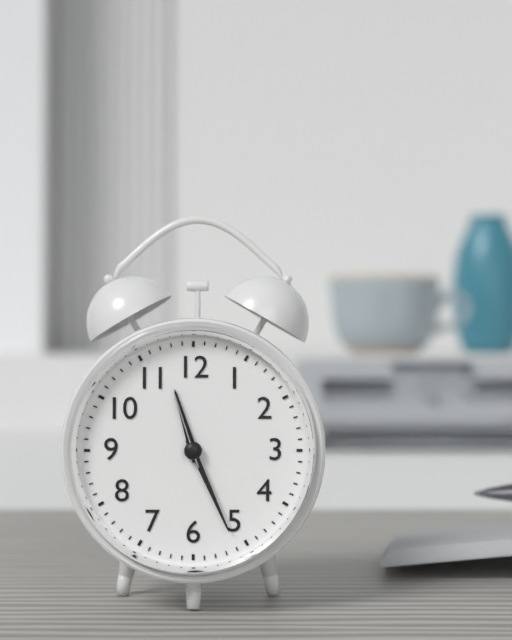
11:26:57
